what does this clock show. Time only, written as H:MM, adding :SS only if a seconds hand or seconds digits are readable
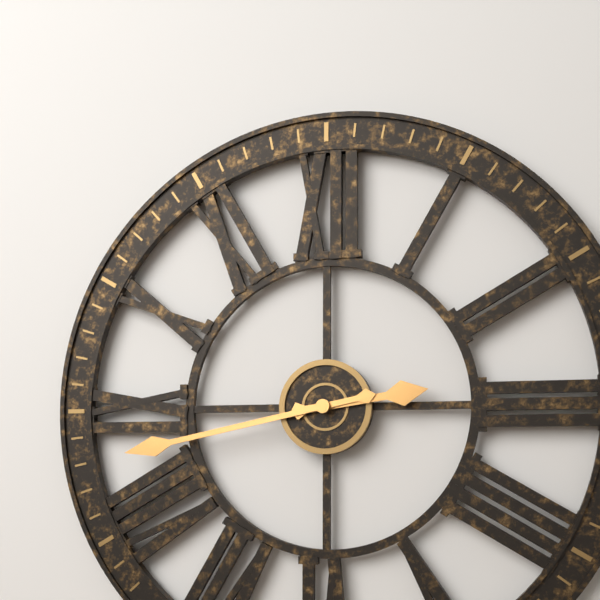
2:43
